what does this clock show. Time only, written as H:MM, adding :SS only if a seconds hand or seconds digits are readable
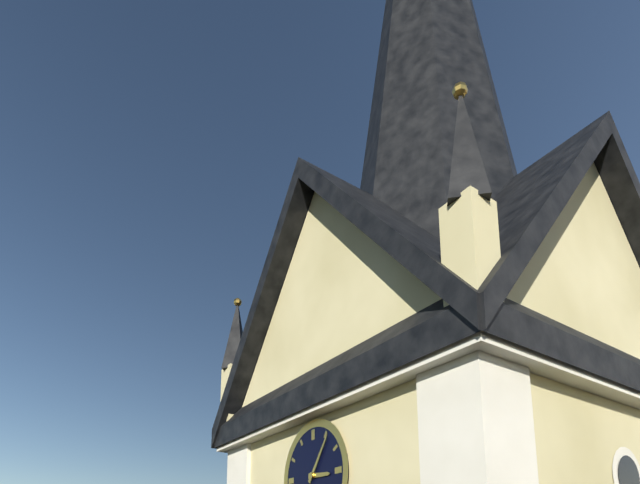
3:06
